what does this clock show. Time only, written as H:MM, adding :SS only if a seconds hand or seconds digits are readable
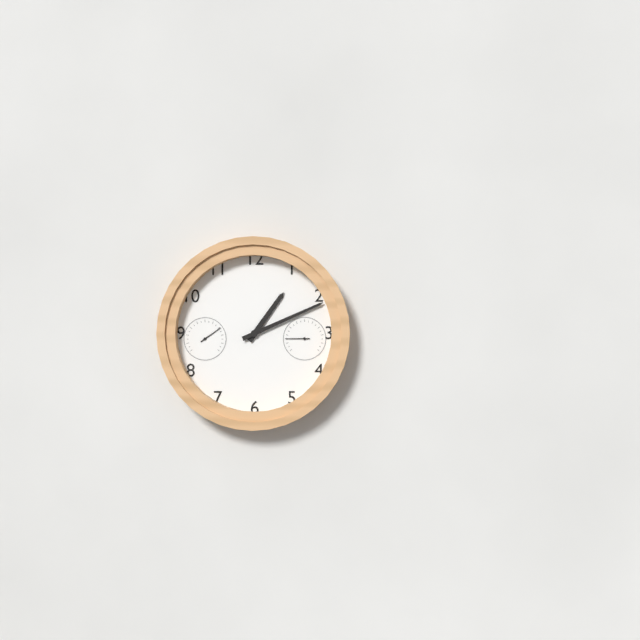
1:11
